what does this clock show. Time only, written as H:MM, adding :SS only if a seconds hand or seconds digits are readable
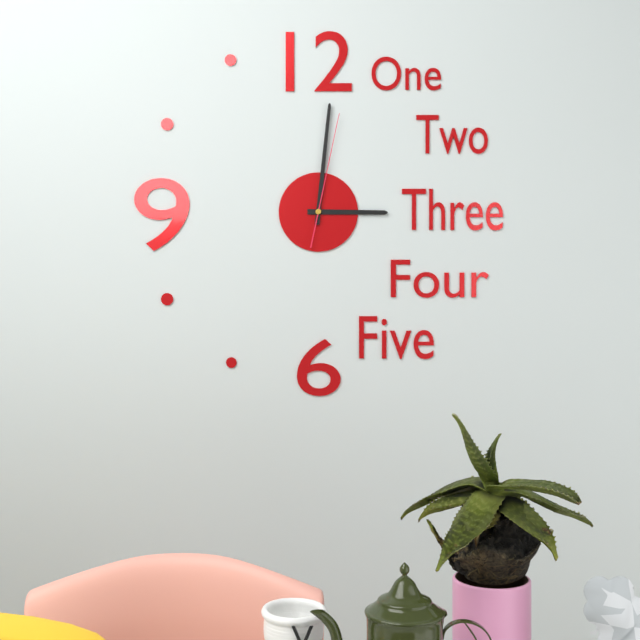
3:01:02
